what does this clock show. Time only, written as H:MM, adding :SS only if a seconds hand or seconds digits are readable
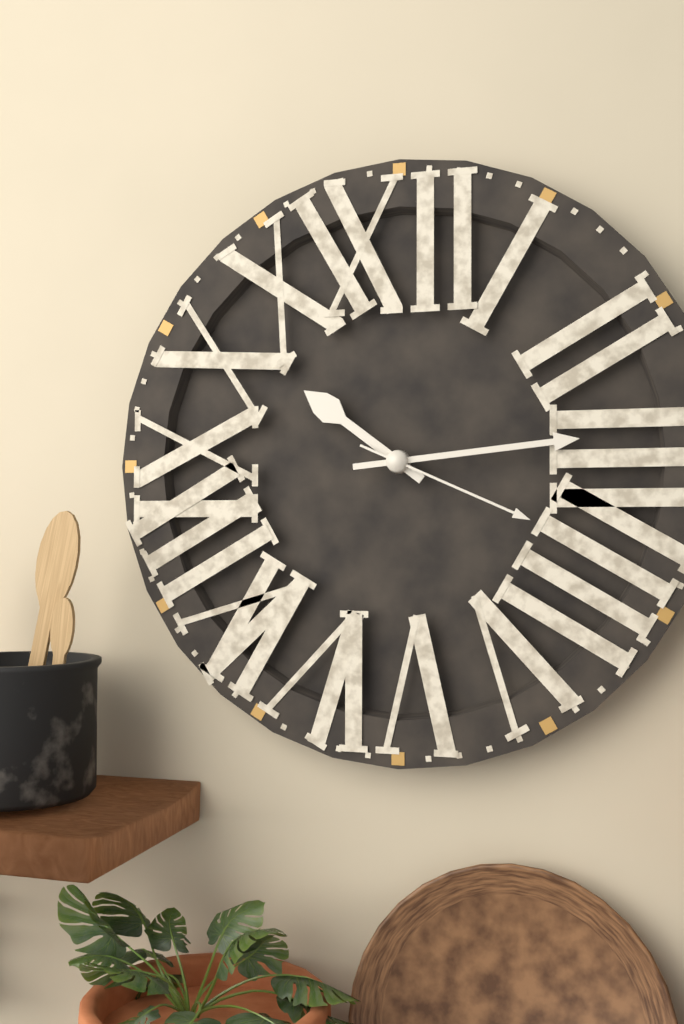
10:14:19
